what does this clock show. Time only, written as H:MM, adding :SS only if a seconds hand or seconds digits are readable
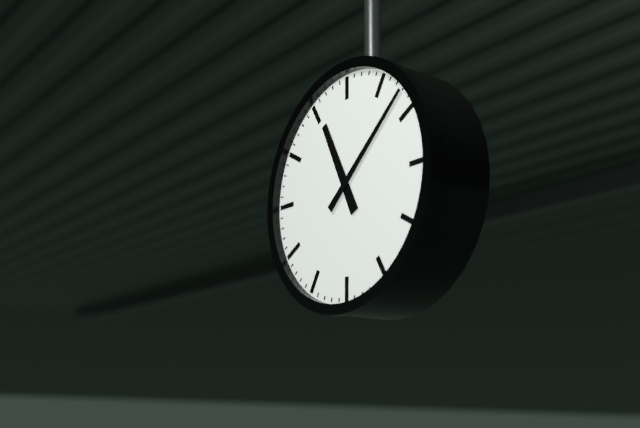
11:08
